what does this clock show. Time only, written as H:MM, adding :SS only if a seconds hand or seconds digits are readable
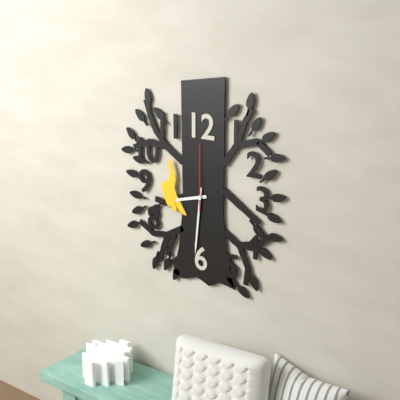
8:31:00
